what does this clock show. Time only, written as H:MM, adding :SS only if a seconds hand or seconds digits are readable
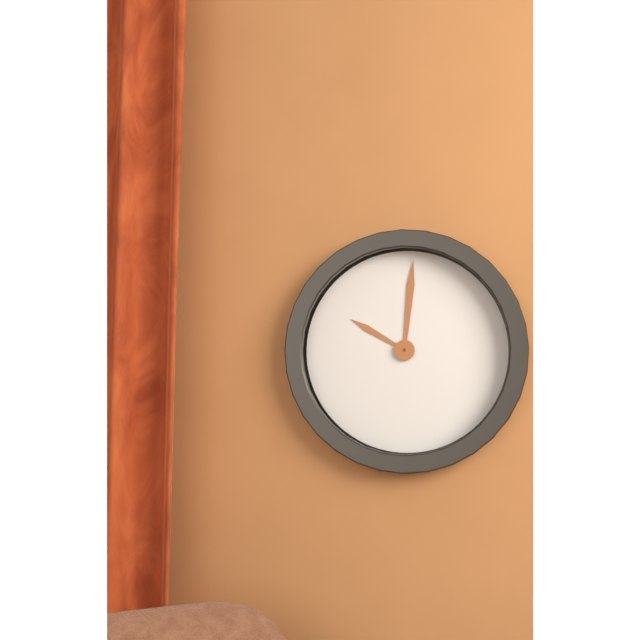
10:01
